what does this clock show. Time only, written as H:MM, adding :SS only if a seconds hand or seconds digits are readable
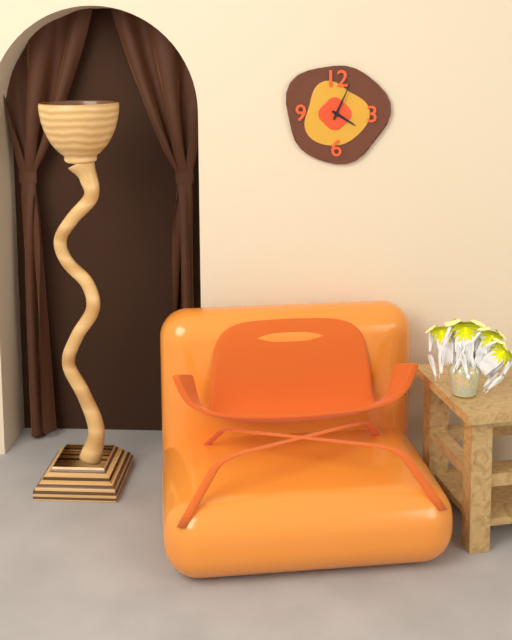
4:04
